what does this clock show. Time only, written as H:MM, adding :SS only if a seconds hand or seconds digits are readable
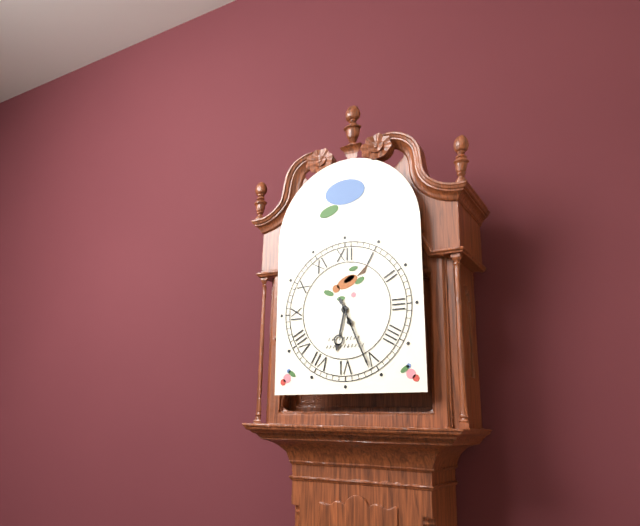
6:26
